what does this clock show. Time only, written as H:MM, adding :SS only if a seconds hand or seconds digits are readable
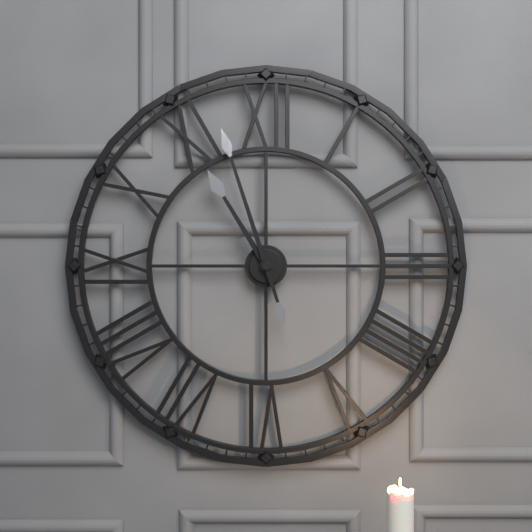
10:57
